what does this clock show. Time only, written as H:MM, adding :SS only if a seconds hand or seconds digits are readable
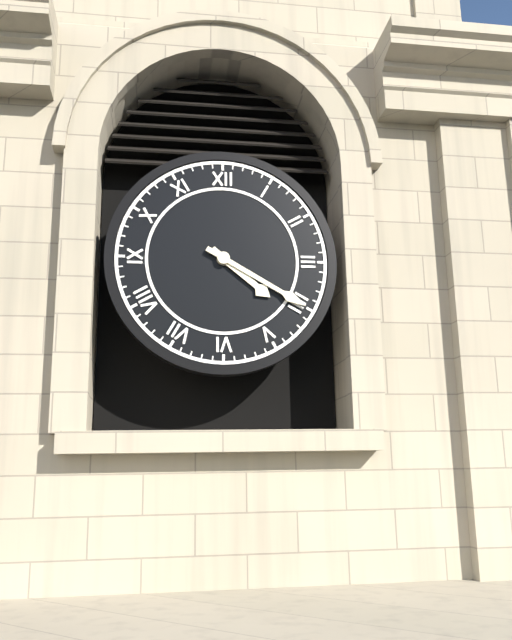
4:20
